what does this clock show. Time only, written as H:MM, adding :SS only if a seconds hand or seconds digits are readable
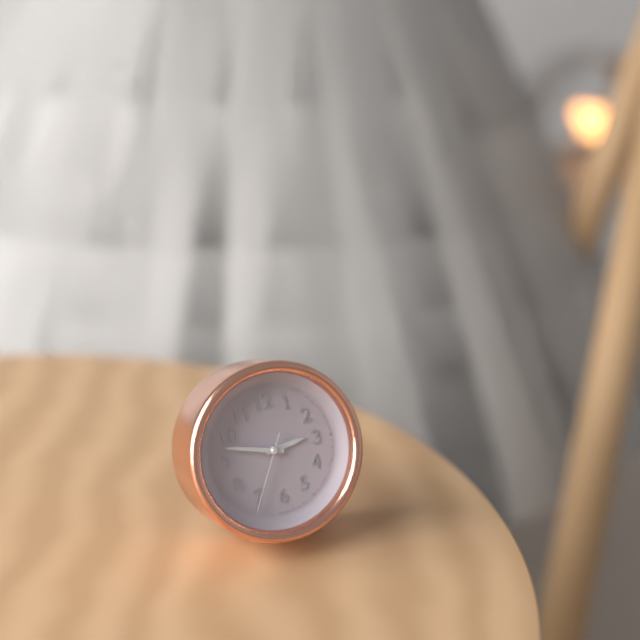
2:48:35
